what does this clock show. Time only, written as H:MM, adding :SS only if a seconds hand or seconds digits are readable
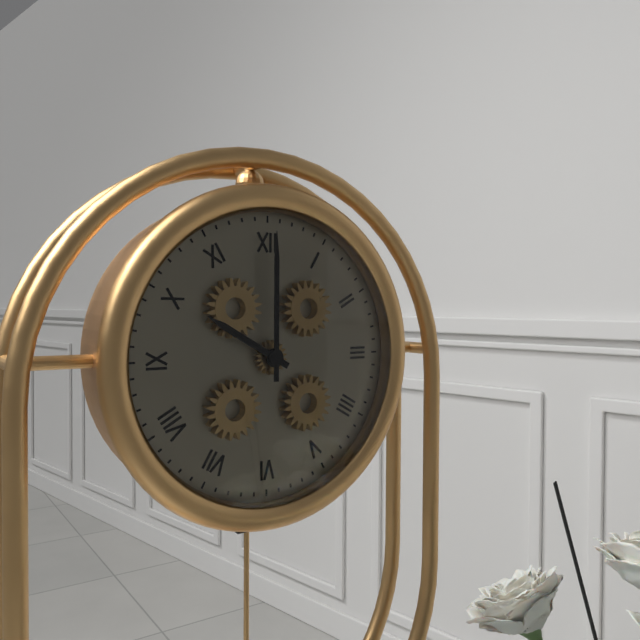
10:00
